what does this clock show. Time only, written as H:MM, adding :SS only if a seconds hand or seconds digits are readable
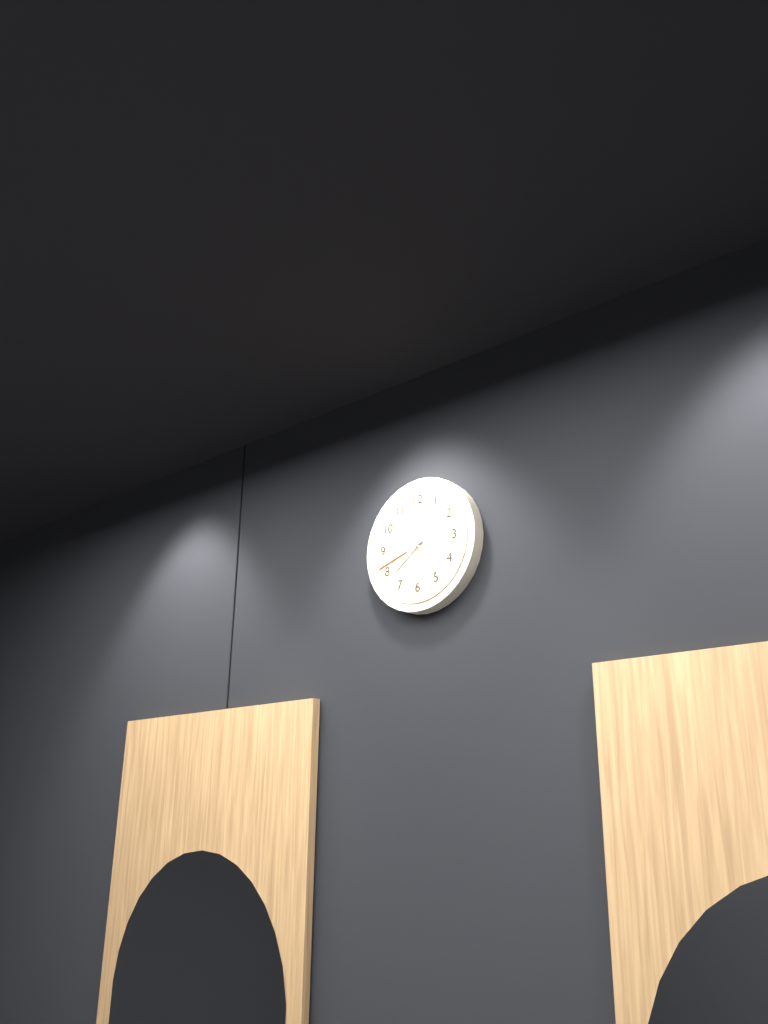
7:42:24
